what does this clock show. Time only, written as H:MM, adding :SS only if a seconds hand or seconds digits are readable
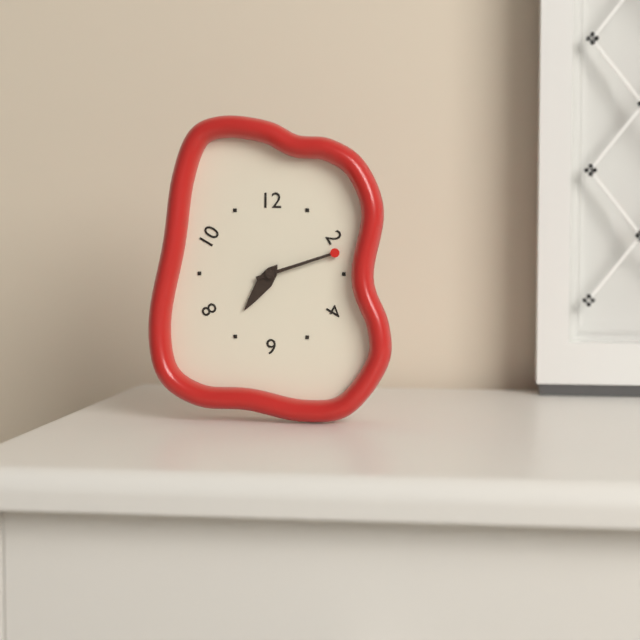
7:12
